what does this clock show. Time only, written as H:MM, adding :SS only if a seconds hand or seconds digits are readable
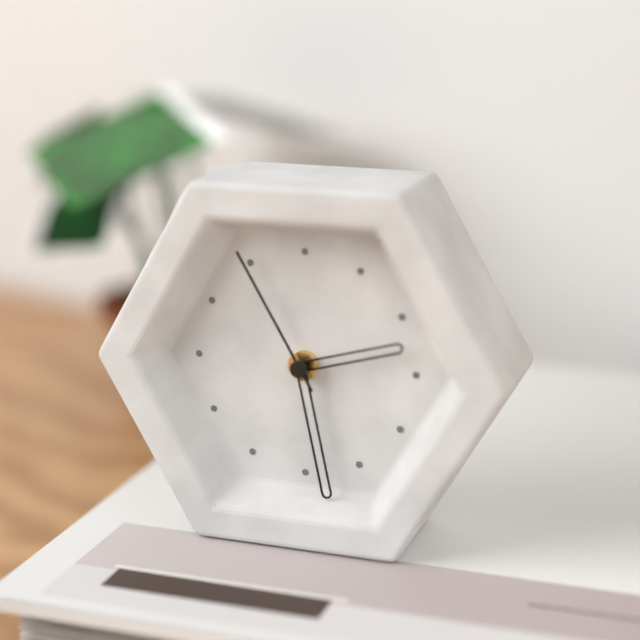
2:28:55
